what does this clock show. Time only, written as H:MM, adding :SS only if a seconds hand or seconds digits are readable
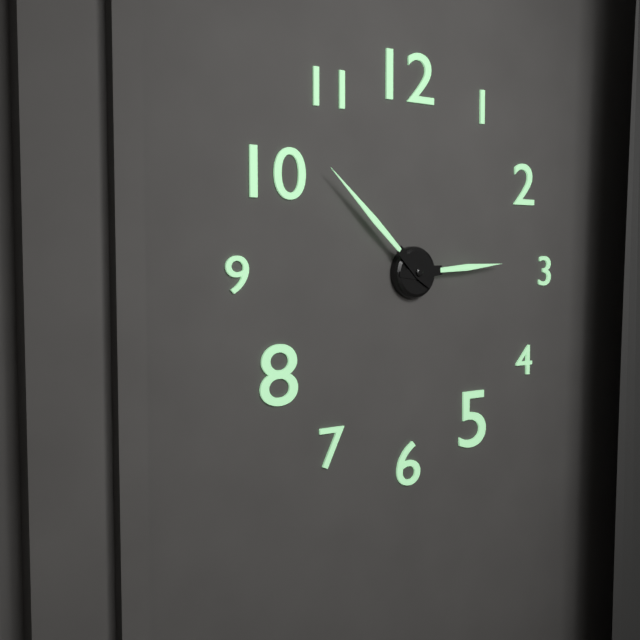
2:52
